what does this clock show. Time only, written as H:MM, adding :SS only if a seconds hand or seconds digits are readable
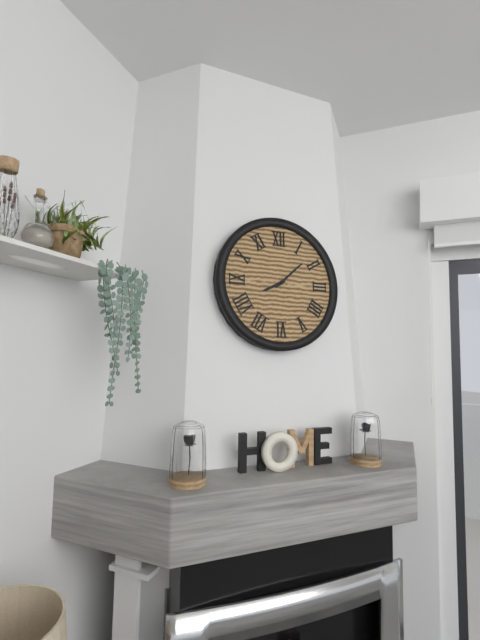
8:08
